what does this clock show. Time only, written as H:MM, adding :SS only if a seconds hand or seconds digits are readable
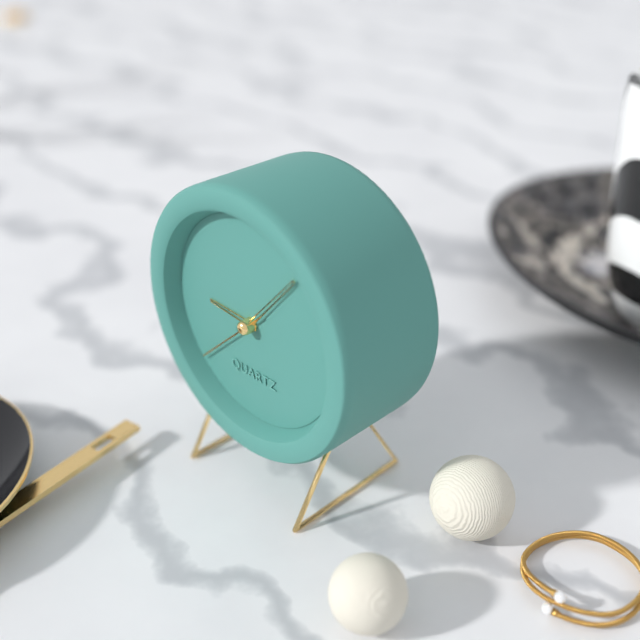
9:07:38
